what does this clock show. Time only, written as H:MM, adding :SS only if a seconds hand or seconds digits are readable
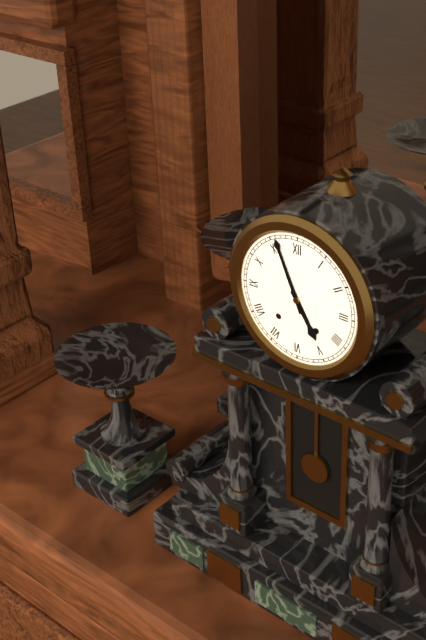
4:56
